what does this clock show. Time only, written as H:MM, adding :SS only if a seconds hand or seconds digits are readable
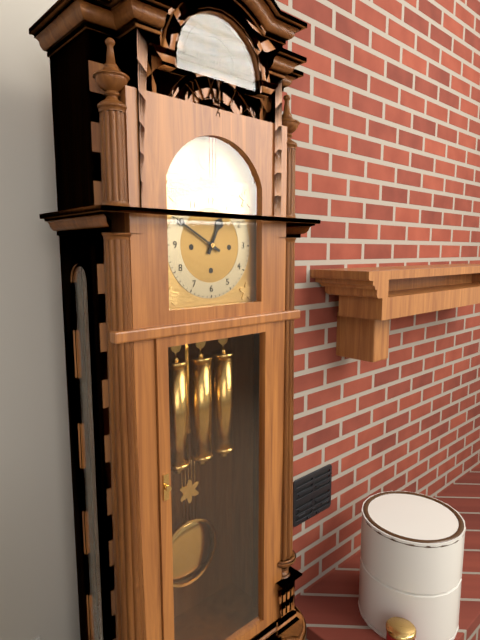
12:50
